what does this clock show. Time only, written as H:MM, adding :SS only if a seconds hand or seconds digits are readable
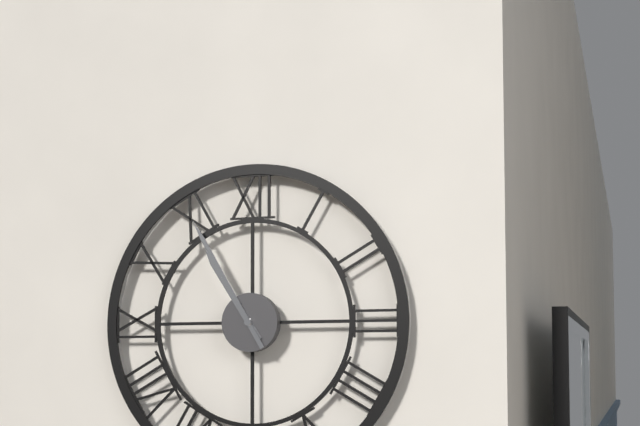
10:55
